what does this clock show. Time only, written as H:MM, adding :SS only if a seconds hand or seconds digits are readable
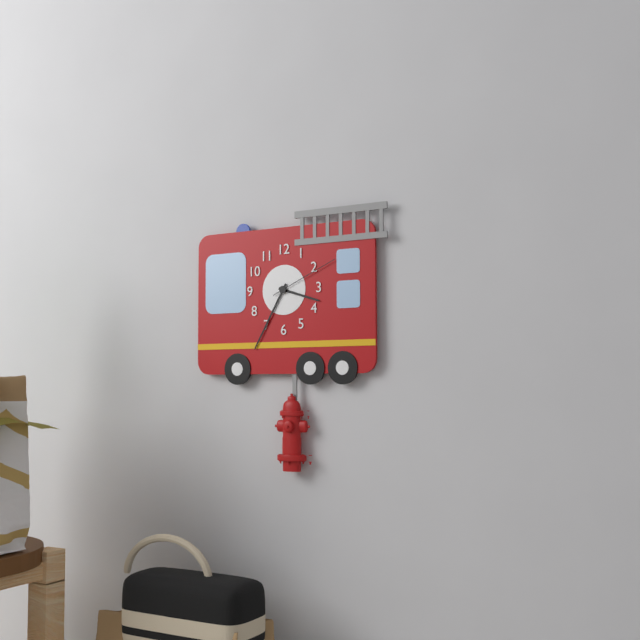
3:35:11
